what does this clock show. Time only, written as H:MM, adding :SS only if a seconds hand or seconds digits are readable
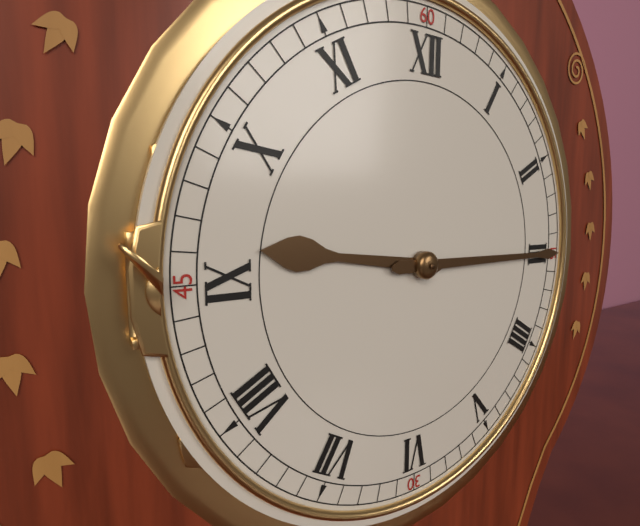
9:15
